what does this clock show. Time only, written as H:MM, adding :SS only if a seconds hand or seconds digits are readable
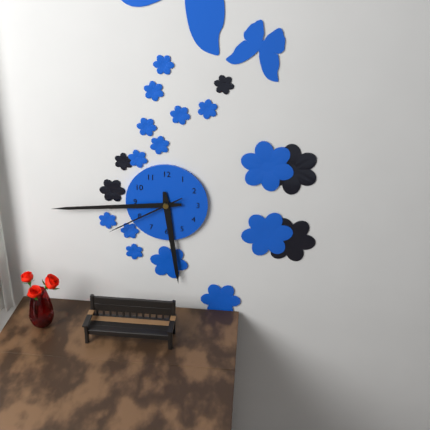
5:44:40
